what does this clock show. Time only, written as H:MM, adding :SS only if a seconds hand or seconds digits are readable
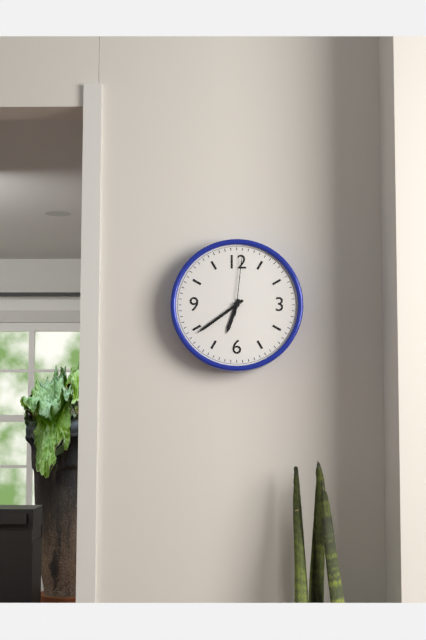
6:39:01
